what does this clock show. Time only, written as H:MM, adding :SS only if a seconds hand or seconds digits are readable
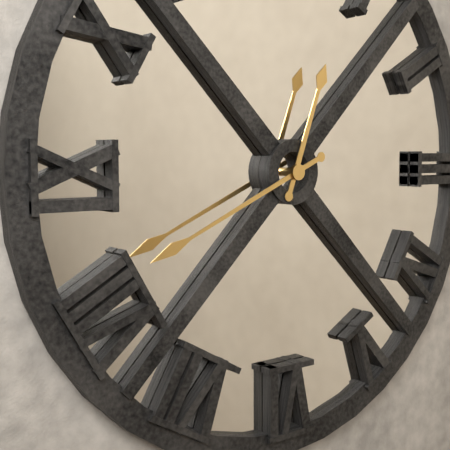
12:41
